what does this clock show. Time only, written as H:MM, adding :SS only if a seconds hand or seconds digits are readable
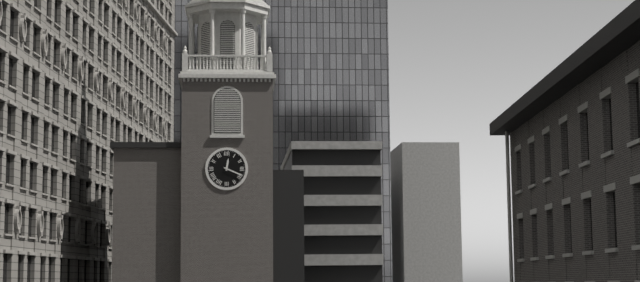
12:19
